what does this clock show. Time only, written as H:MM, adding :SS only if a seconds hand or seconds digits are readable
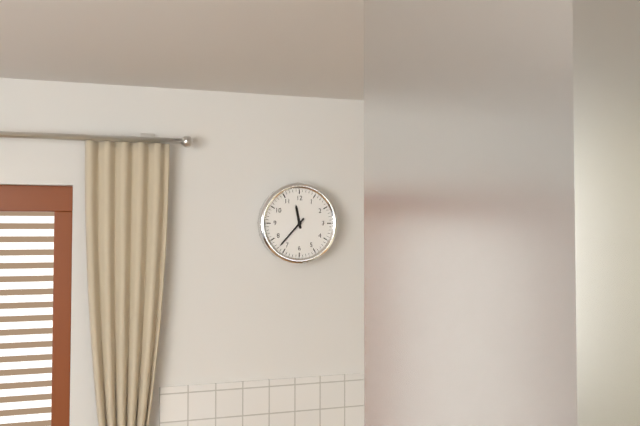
11:37
